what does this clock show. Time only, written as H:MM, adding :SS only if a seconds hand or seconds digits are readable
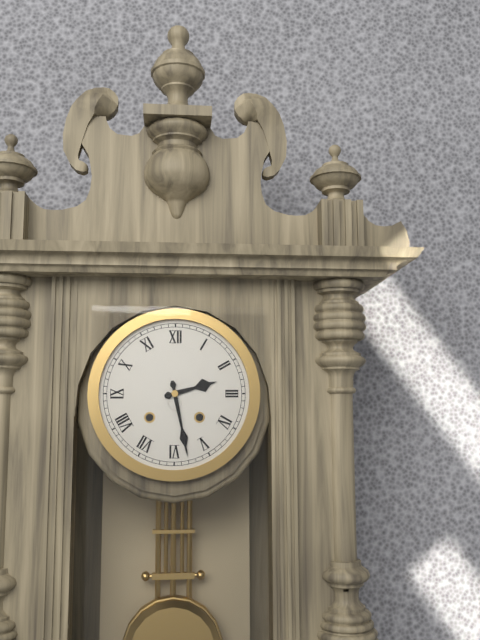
2:28
